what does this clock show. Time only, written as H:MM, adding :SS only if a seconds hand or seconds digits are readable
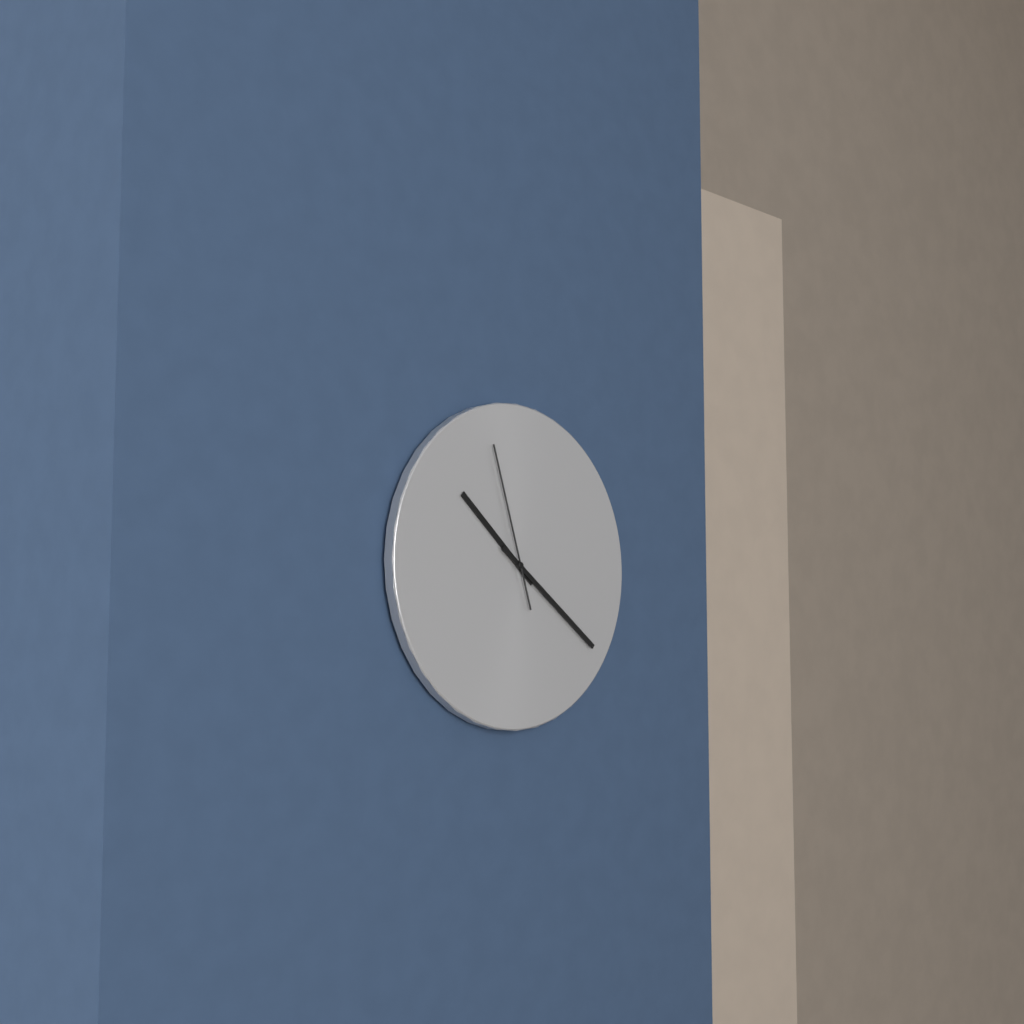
10:21:57
